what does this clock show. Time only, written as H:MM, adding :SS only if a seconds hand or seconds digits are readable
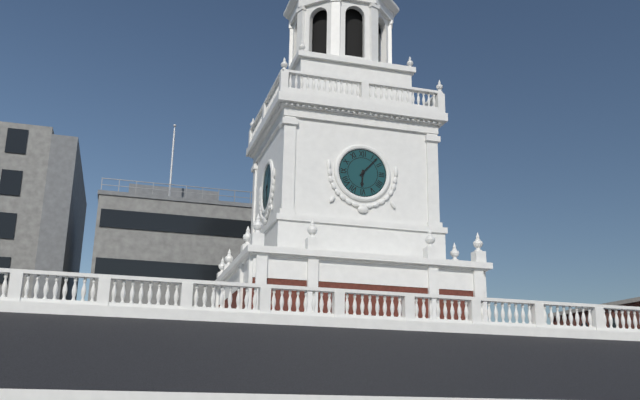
6:07
